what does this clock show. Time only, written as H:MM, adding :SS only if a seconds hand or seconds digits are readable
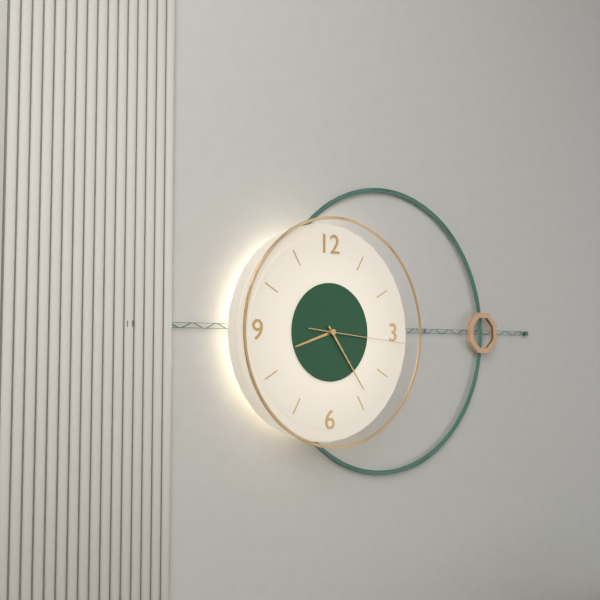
8:24:16
